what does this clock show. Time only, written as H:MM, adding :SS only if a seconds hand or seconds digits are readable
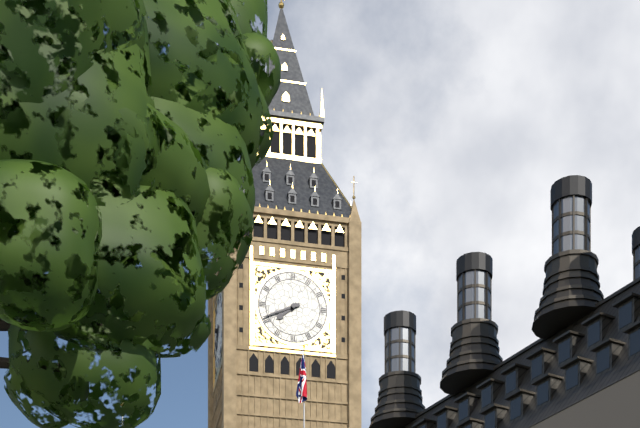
7:41
